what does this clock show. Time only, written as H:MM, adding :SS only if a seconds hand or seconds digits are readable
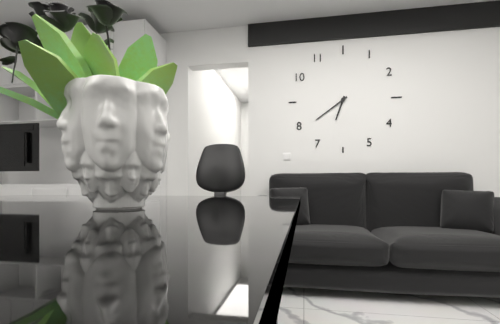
6:39
